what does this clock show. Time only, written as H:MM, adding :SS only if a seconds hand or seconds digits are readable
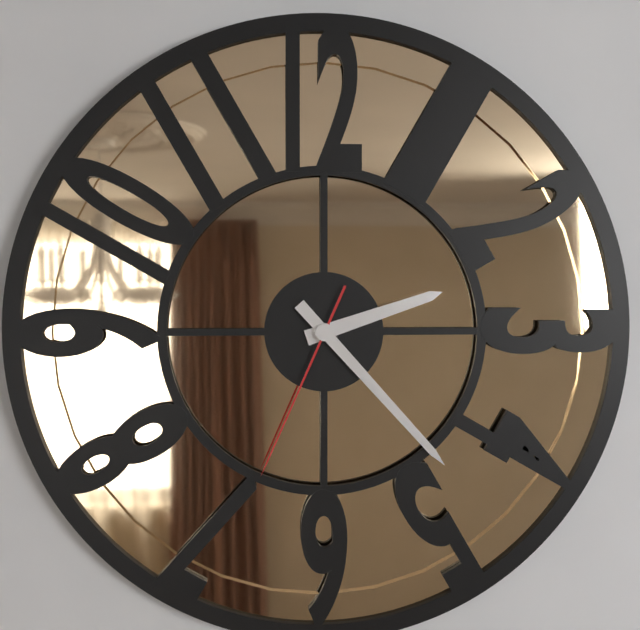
2:23:34
